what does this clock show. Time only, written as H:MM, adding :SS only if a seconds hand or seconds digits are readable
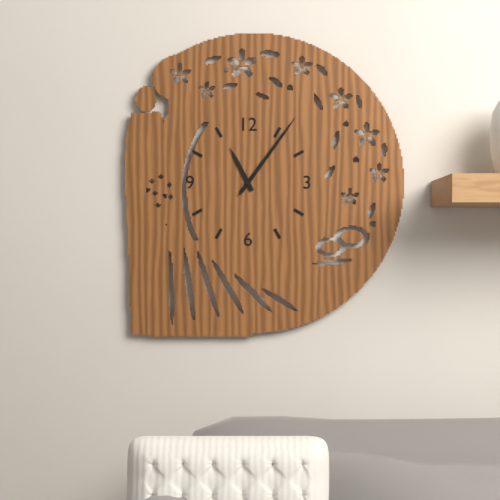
11:06:06
